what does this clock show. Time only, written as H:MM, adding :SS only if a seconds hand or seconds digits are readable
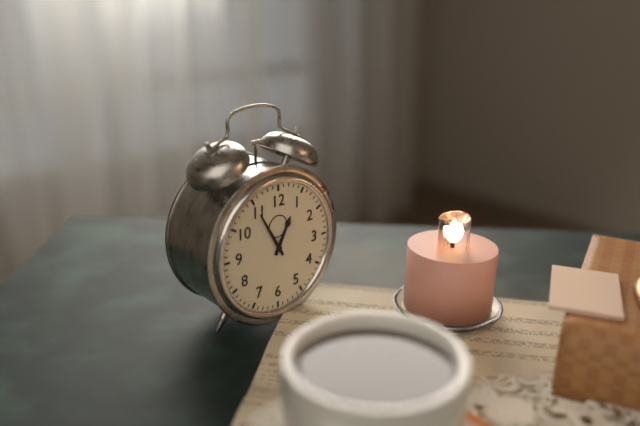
12:55
